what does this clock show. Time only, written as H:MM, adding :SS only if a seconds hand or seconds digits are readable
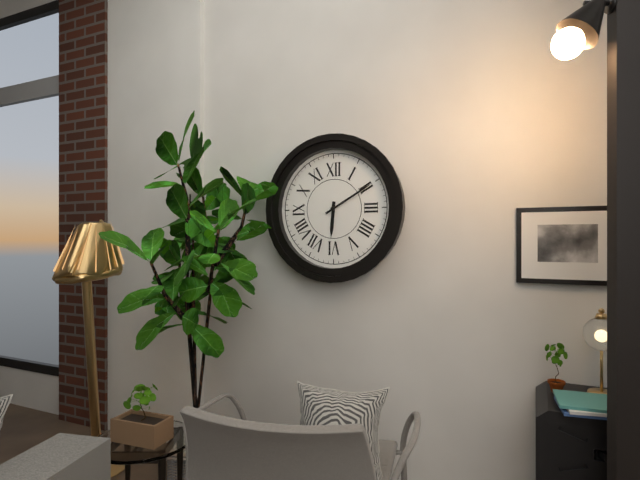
6:10
